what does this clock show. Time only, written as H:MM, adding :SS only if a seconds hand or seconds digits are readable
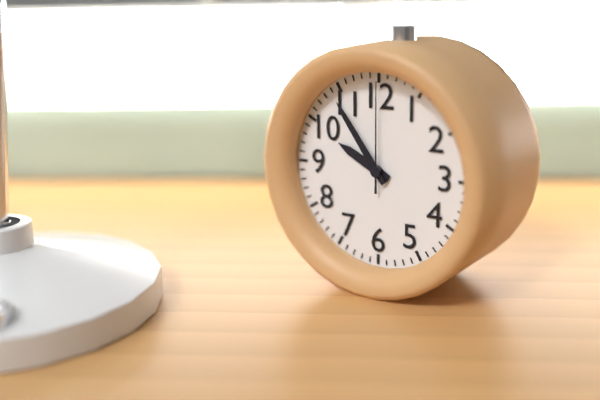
9:54:00
